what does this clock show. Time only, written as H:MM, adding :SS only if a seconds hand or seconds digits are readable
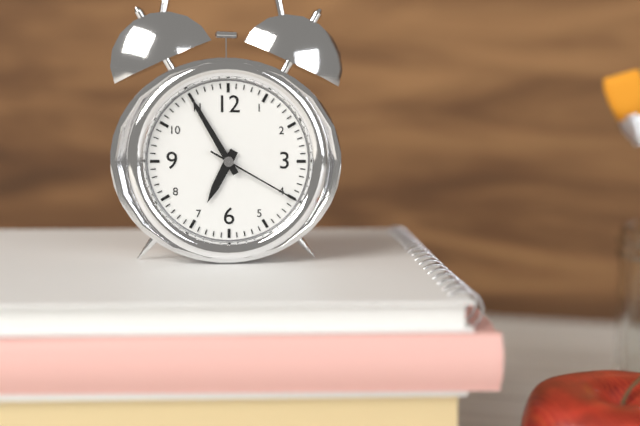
6:55:20
